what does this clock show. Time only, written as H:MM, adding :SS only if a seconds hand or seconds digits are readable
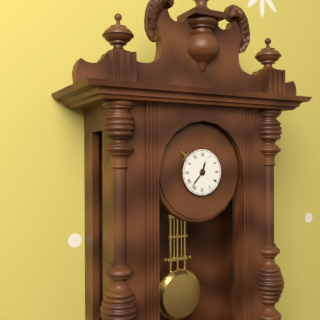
12:37
